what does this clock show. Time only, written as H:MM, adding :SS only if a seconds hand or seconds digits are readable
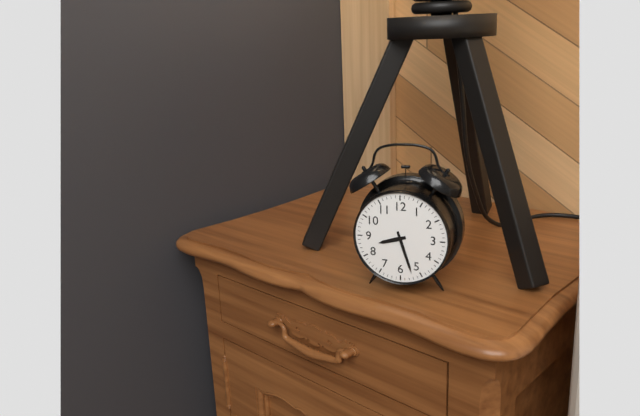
8:27
